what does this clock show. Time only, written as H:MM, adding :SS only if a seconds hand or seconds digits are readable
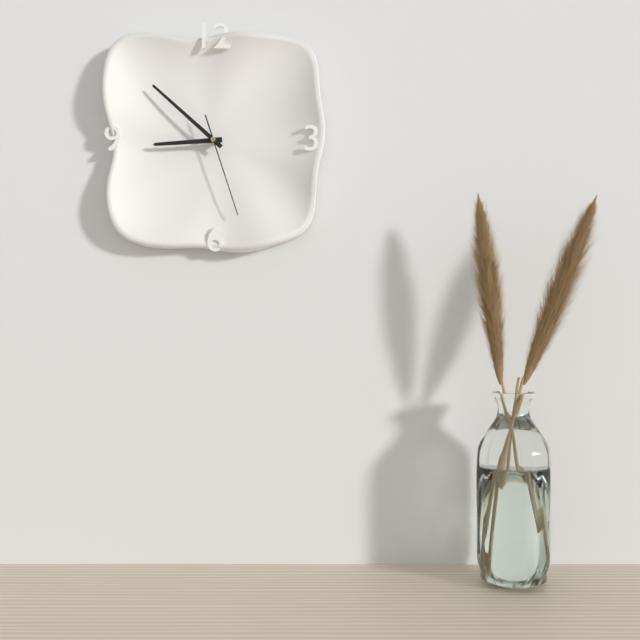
8:52:27
